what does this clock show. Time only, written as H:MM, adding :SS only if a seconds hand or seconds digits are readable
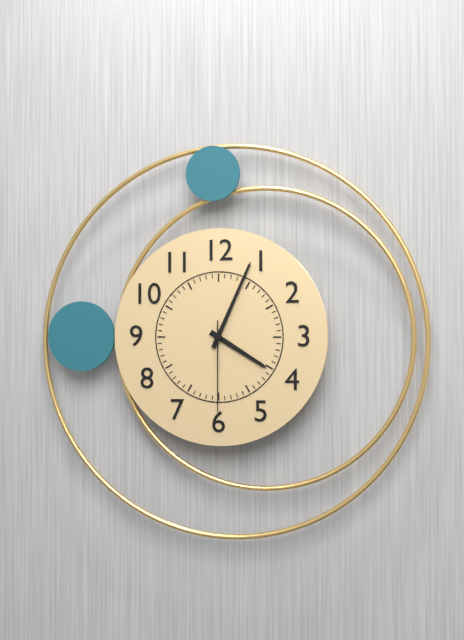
4:04:30
